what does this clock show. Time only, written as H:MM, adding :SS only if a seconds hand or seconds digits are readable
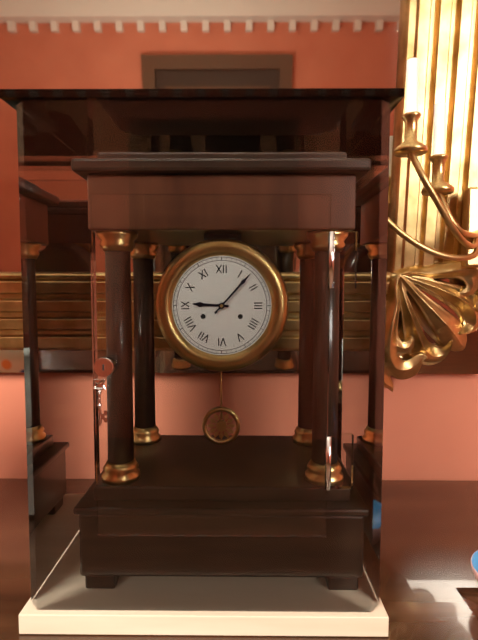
9:07
